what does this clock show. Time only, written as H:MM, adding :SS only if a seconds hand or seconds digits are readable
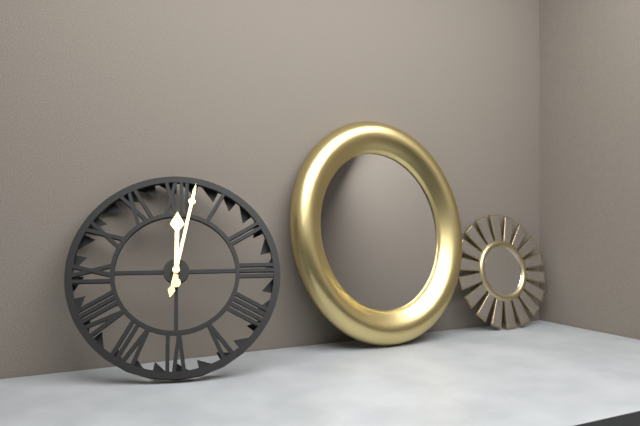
12:02
